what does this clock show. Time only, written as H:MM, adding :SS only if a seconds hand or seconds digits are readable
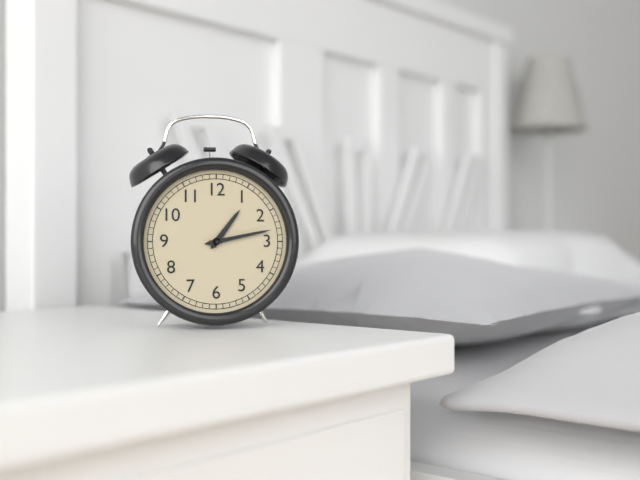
1:13
